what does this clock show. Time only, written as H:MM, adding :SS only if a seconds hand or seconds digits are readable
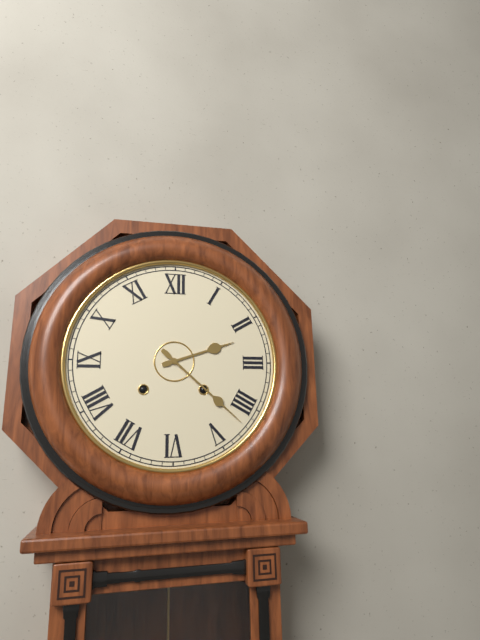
2:22
